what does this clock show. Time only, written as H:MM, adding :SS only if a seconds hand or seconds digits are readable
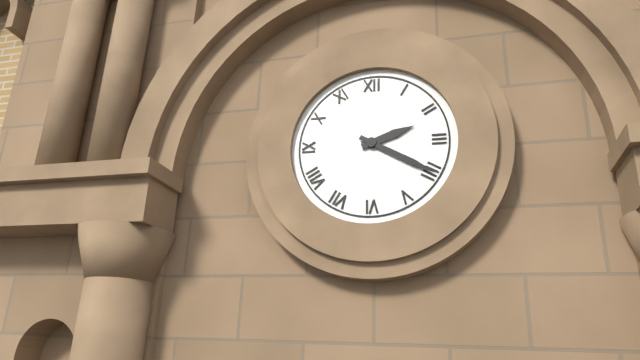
2:20
